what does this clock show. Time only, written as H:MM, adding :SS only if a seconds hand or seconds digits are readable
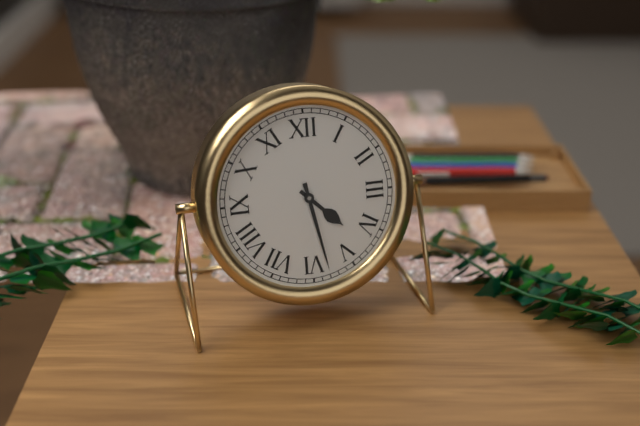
4:28
